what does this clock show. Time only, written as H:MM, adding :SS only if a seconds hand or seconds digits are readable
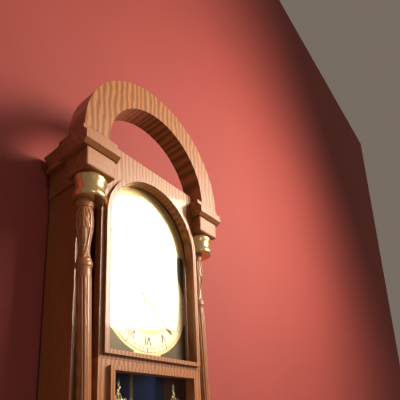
7:22
